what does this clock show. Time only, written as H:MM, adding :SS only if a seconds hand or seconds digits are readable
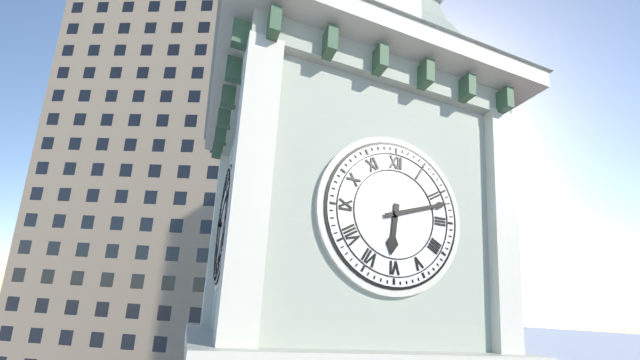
6:12
